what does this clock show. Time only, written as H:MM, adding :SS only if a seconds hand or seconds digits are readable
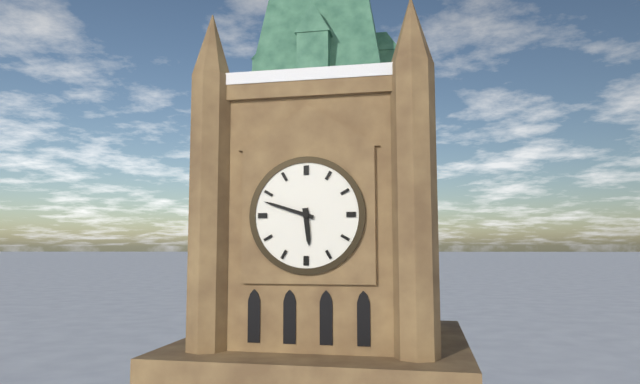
5:48
